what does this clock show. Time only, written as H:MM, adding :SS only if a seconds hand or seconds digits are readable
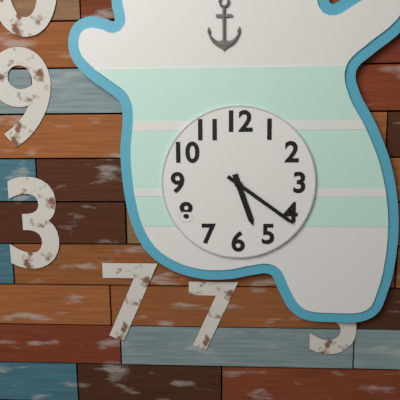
5:21
